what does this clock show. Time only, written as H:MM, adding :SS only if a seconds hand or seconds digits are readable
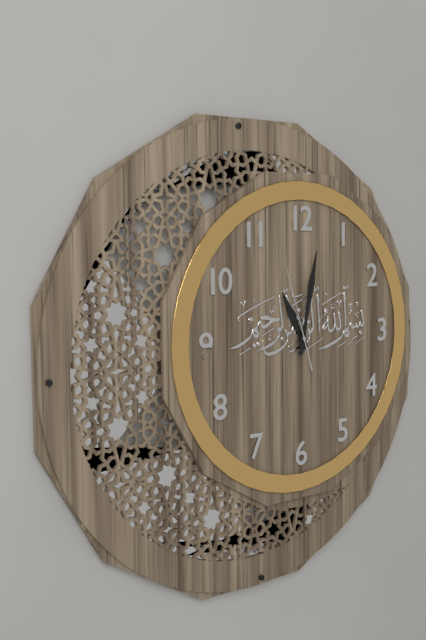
11:02:57
